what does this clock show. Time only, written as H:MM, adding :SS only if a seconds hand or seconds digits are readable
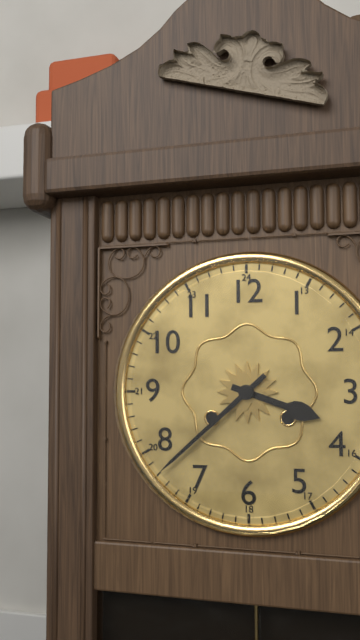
3:38
